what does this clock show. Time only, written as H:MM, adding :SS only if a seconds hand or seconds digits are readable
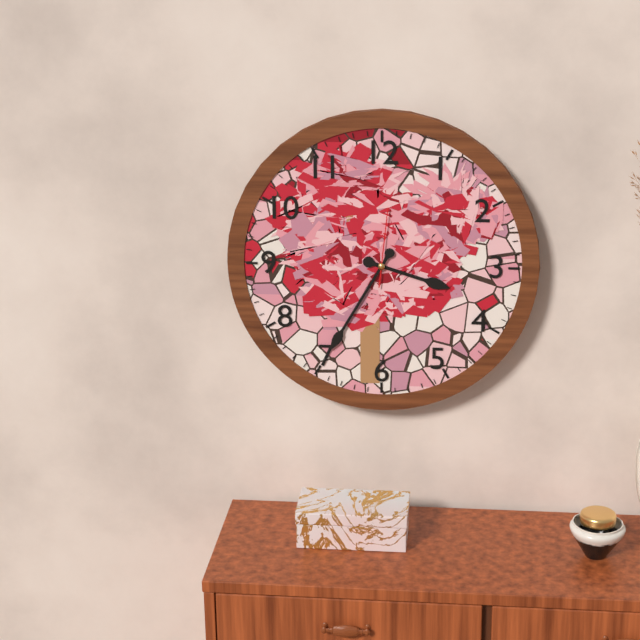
3:35:01
